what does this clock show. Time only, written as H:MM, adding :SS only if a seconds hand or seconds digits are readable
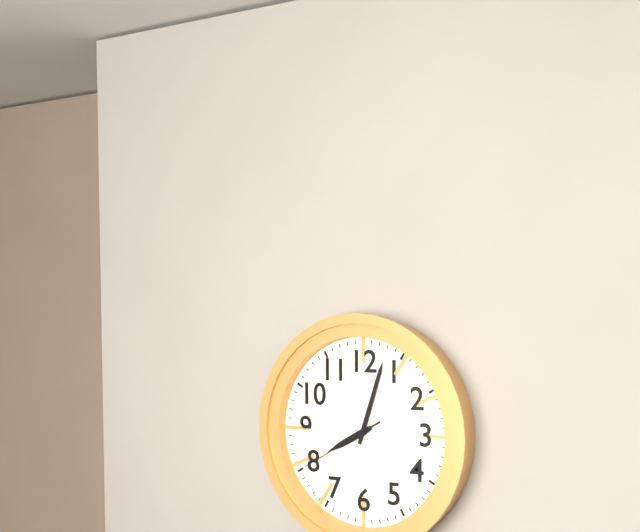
8:03:40
